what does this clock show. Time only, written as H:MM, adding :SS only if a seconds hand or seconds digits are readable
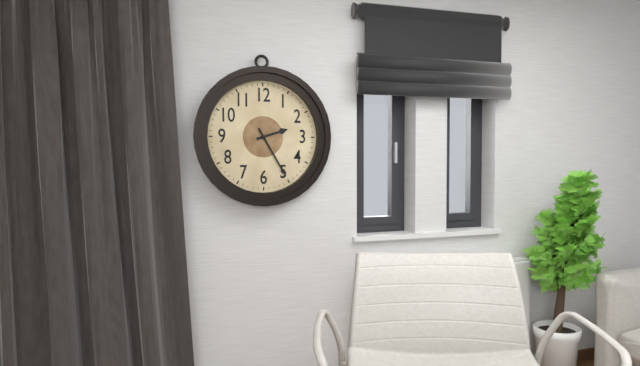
2:25
